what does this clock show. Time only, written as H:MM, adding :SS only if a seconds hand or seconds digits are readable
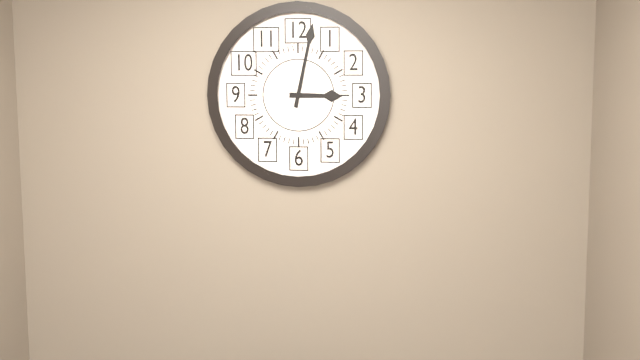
3:02
